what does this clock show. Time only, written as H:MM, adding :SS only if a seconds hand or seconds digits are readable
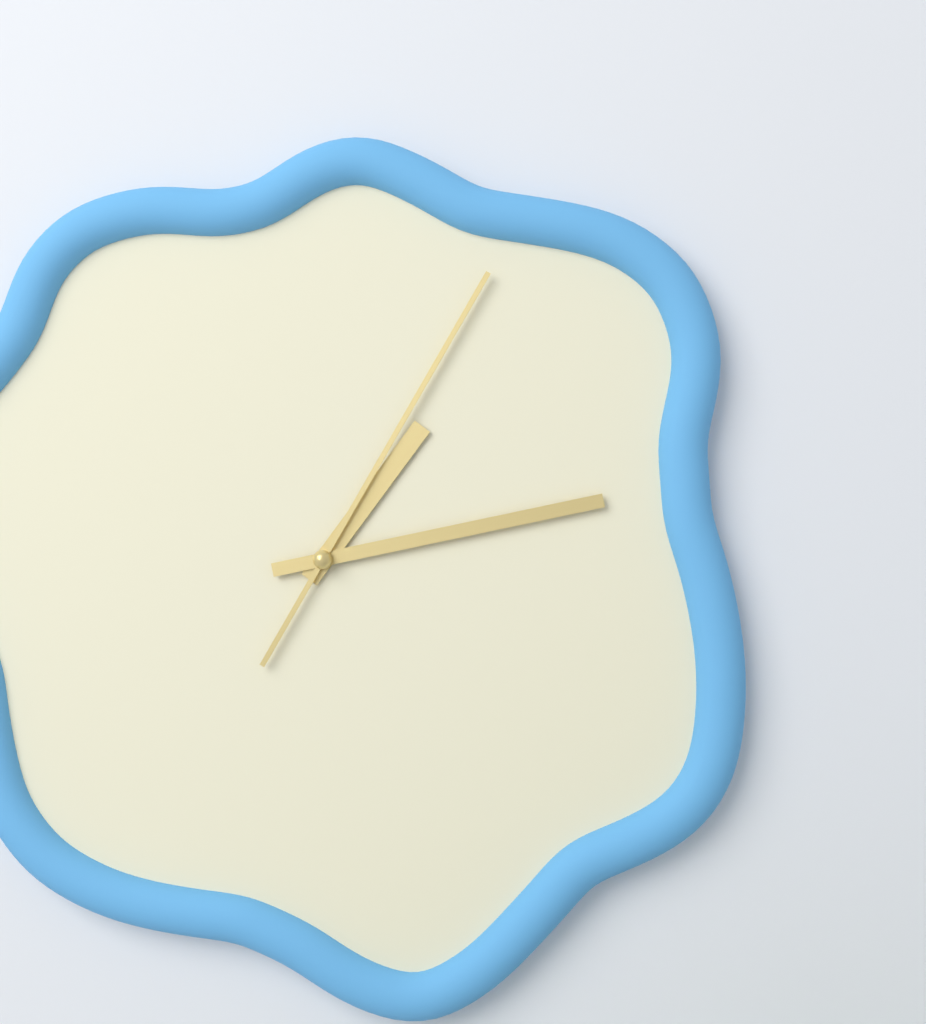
1:13:05
